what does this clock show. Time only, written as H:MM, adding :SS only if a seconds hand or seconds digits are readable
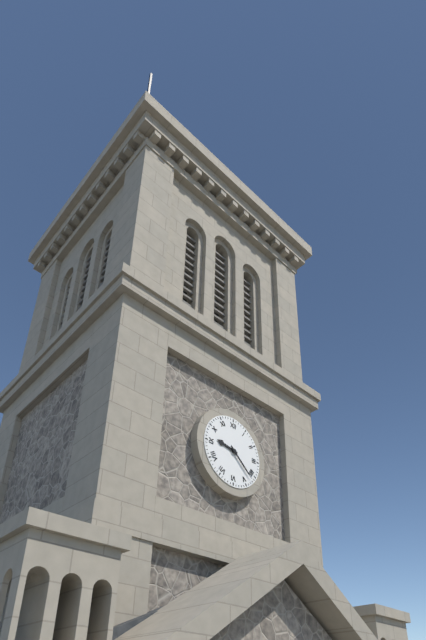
9:22
